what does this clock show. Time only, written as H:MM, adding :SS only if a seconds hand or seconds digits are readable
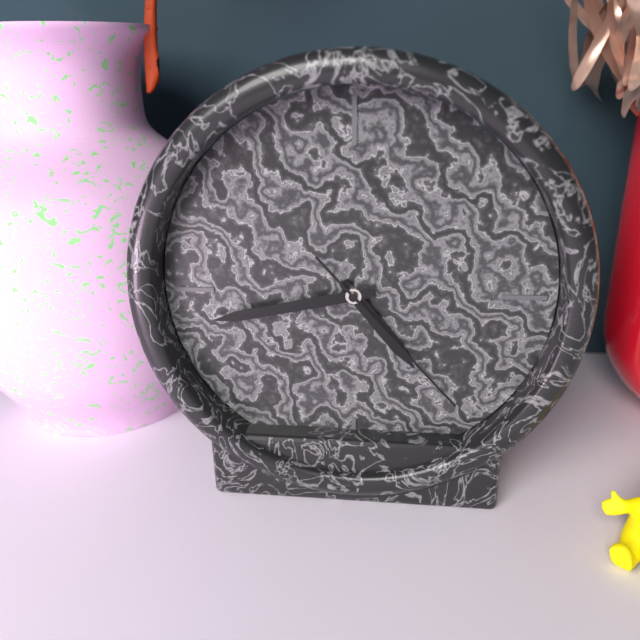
4:43:23
